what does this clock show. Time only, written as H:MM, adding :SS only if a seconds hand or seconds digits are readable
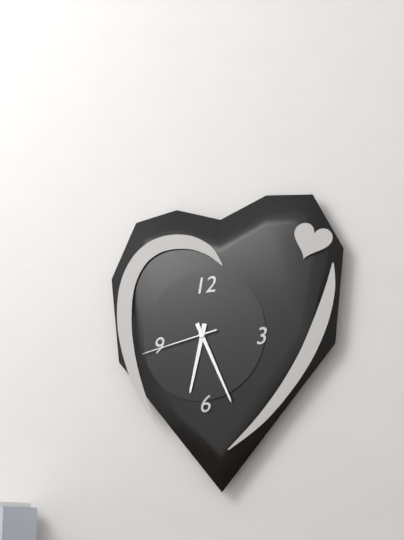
6:26:43
